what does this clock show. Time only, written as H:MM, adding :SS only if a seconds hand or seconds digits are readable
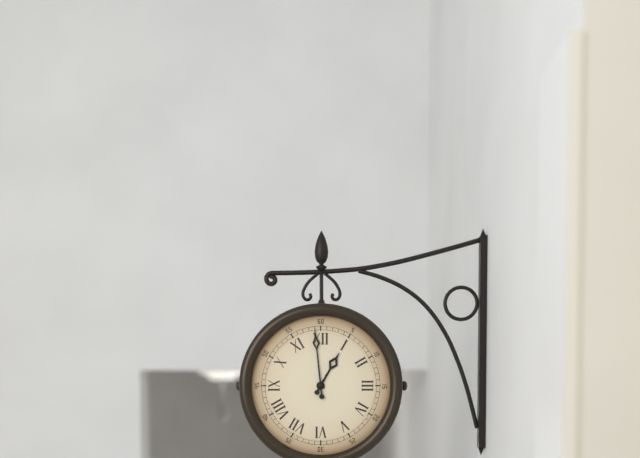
12:59
